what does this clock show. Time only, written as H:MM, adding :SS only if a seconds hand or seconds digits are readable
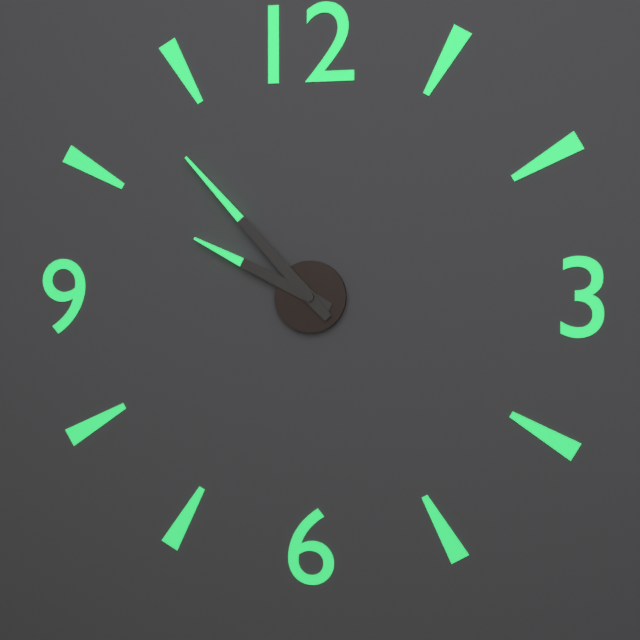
9:53
